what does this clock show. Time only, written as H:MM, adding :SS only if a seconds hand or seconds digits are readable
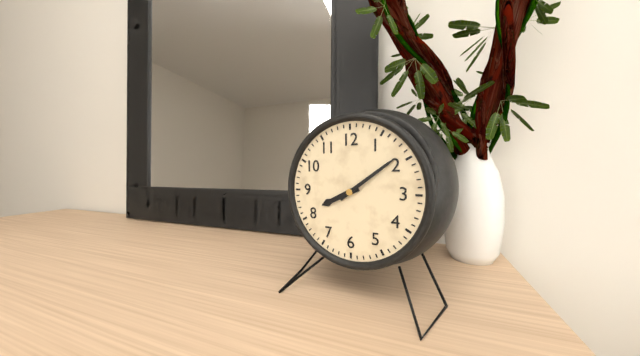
8:09
